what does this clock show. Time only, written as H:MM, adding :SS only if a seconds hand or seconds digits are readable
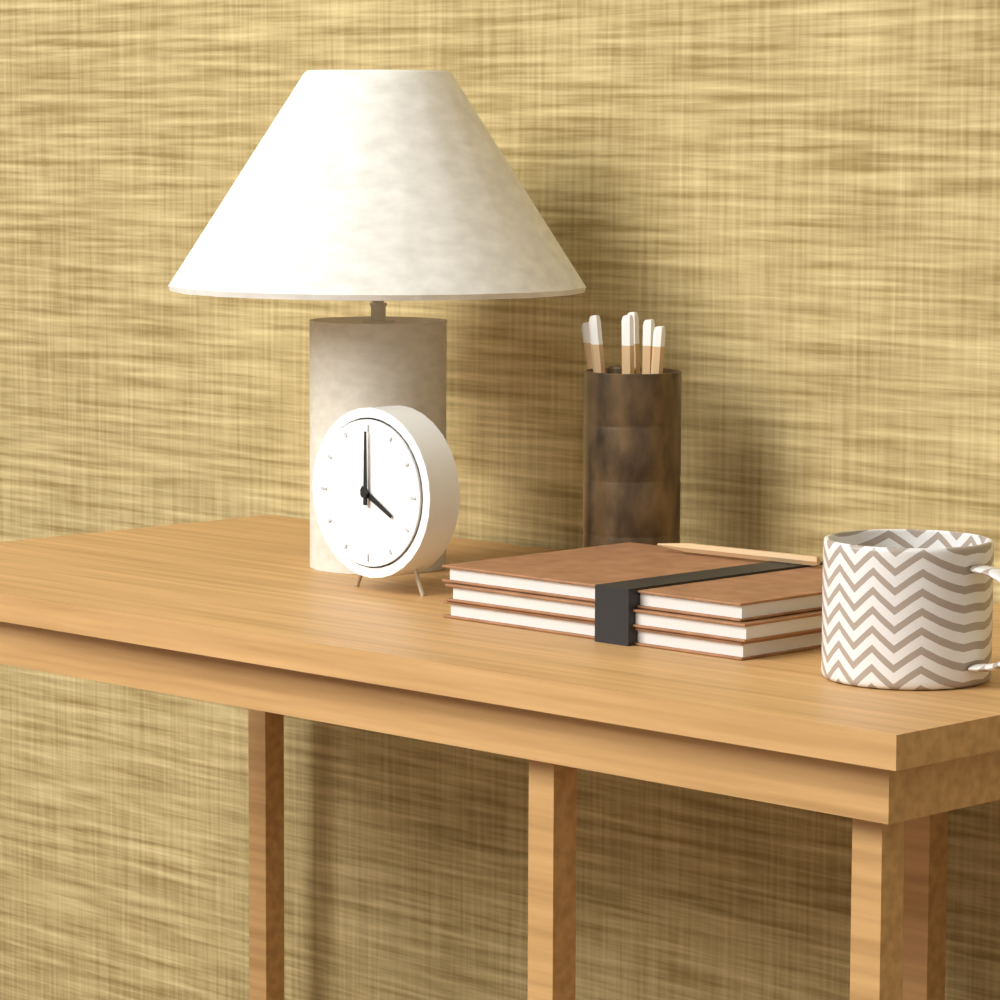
4:00
